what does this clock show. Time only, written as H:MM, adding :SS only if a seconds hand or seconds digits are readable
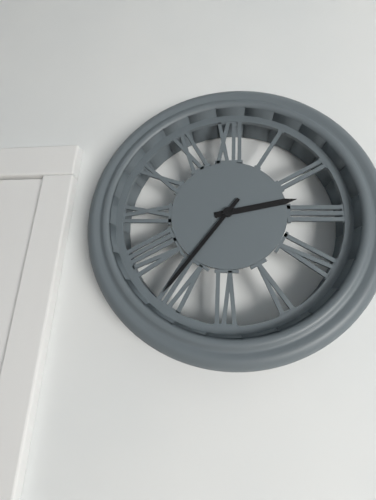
2:36
